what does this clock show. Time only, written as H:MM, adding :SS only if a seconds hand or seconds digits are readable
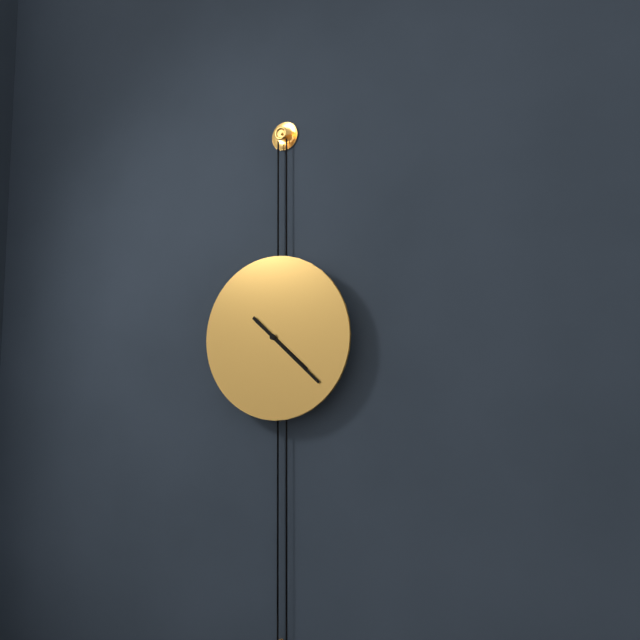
4:22
